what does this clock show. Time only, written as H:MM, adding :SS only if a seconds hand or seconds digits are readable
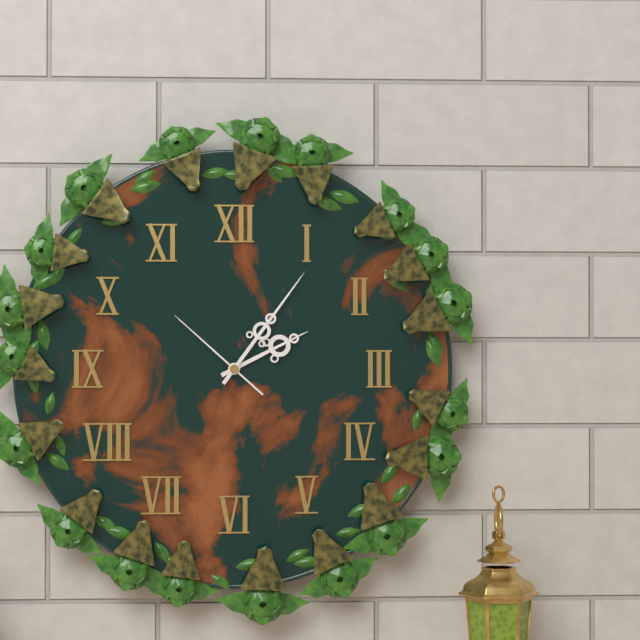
2:06:52
